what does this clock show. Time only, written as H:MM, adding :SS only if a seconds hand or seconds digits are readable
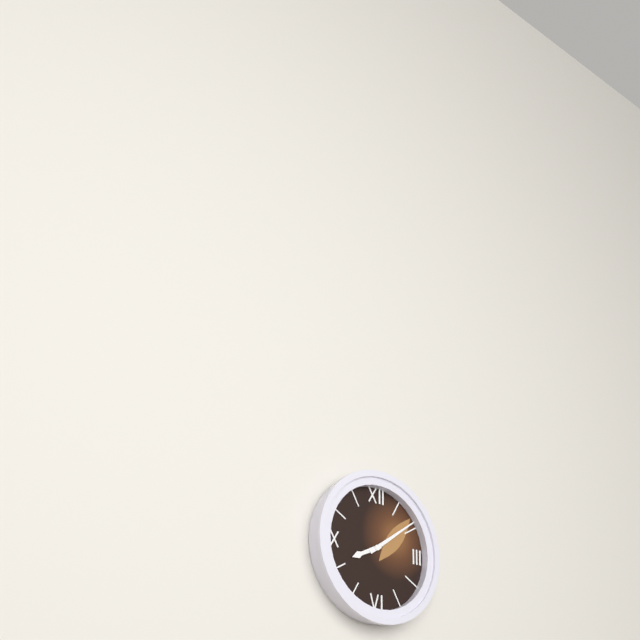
8:09
